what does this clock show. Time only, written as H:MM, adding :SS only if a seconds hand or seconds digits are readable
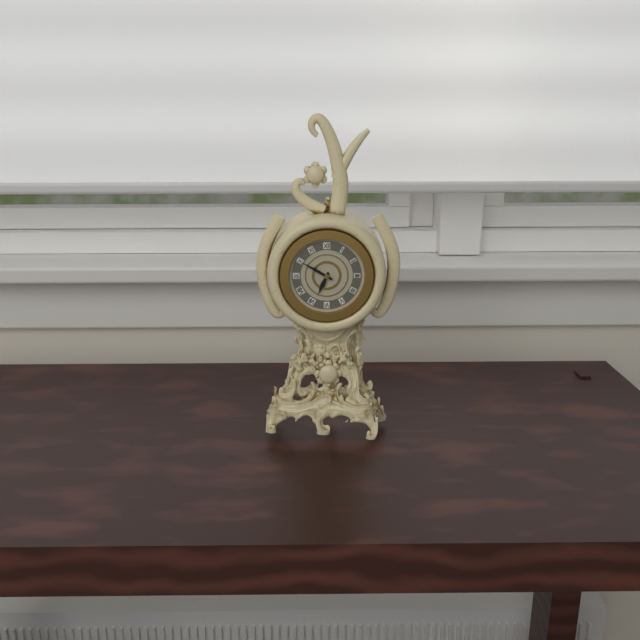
6:50
